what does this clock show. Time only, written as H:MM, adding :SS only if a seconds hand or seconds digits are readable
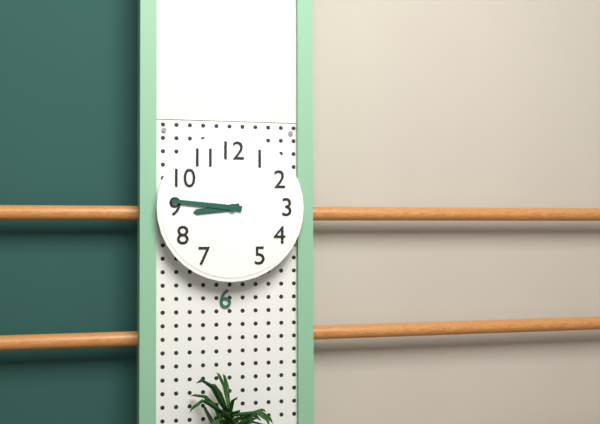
8:46
